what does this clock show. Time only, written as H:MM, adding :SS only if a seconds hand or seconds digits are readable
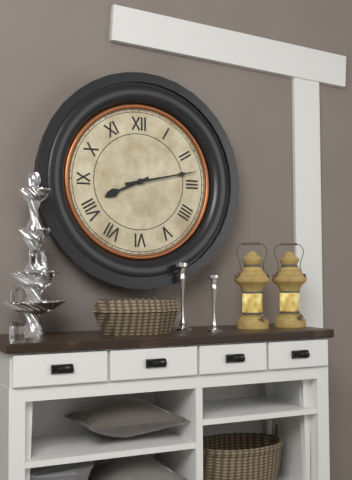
8:13
